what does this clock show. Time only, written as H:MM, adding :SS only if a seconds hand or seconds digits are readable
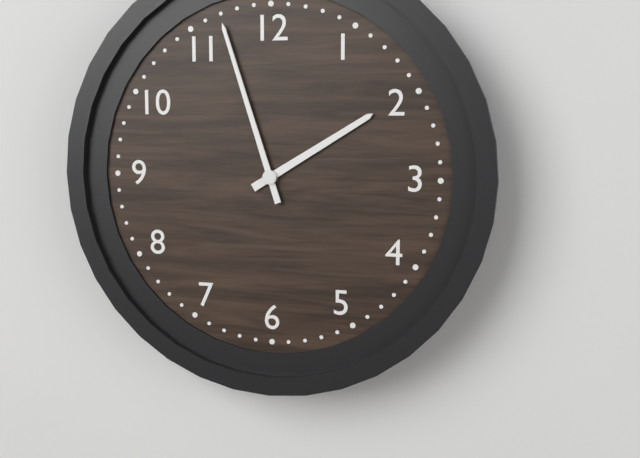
1:57
